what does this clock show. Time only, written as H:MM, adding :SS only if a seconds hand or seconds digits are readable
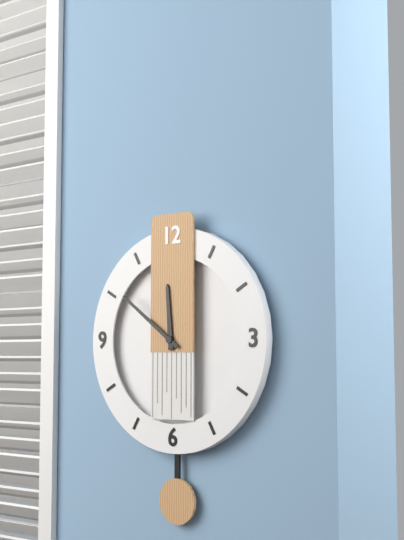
11:51
